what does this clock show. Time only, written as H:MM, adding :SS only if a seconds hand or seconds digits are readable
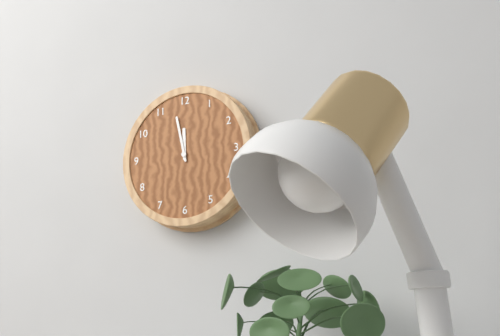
11:58
